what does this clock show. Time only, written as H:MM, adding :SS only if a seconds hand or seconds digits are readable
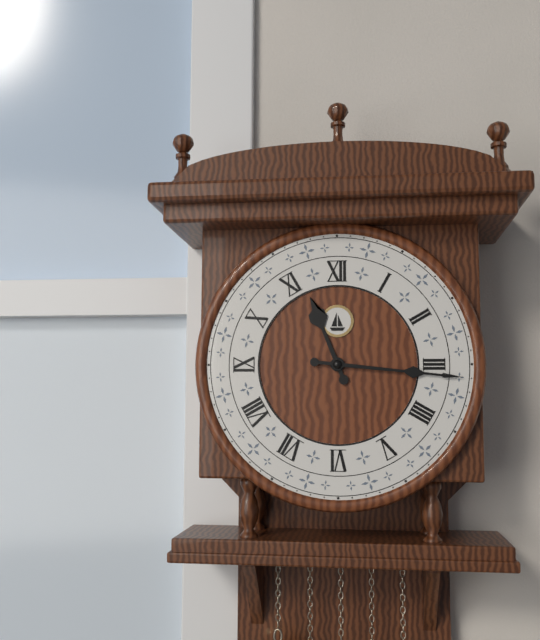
11:16
